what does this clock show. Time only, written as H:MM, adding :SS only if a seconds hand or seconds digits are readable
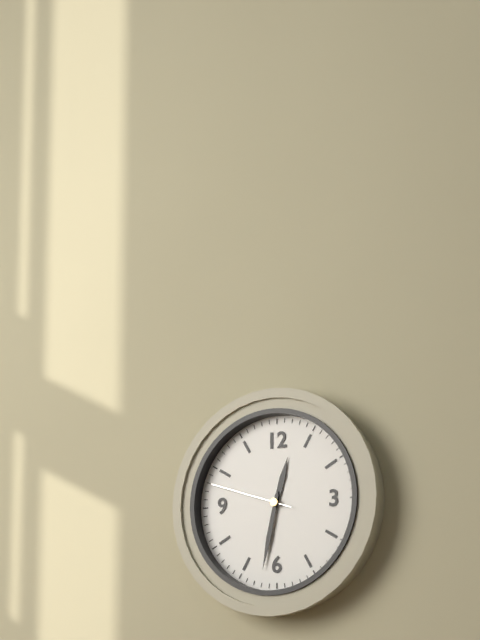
12:32:48
